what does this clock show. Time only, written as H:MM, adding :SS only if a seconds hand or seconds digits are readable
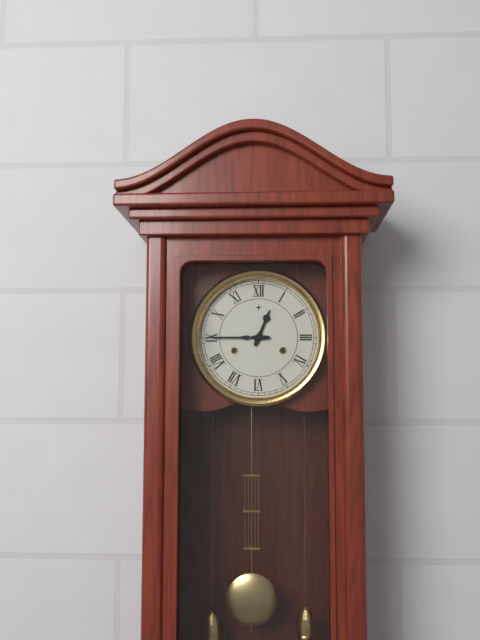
12:45
